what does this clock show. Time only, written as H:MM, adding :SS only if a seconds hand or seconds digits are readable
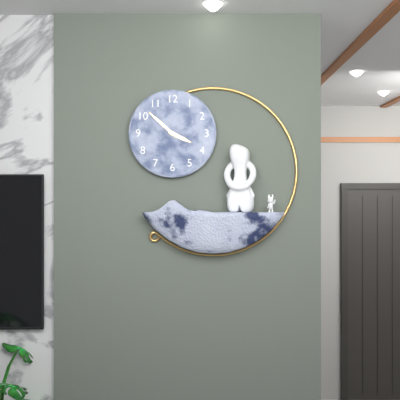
3:52
